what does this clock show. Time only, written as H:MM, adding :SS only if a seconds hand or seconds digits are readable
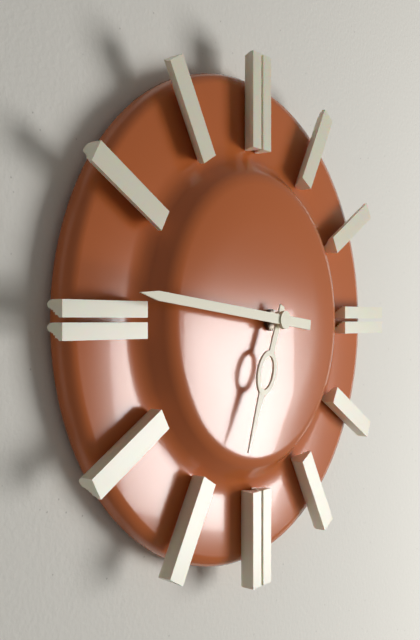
6:46
